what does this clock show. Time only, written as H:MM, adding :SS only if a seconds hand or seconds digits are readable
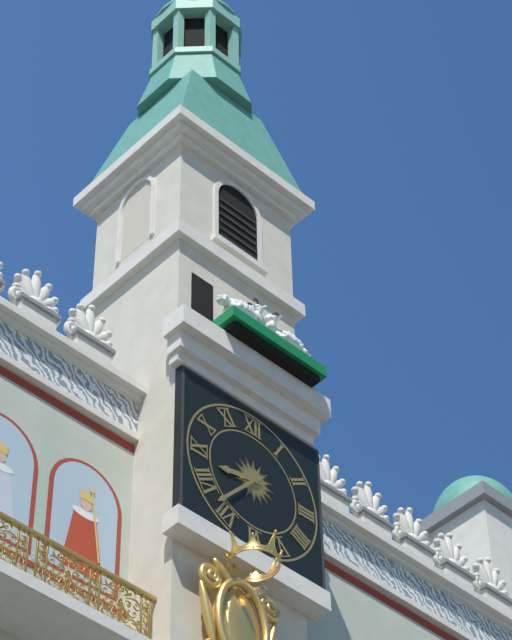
8:37
